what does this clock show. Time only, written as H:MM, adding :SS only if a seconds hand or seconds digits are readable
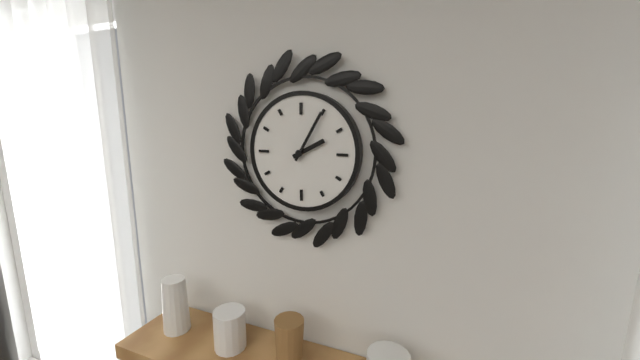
2:05
